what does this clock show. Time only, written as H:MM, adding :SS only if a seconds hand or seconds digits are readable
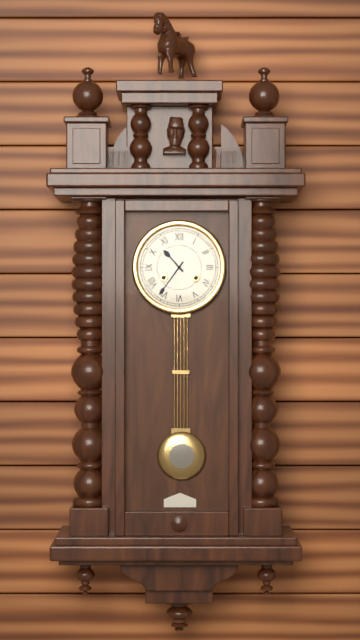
10:36
